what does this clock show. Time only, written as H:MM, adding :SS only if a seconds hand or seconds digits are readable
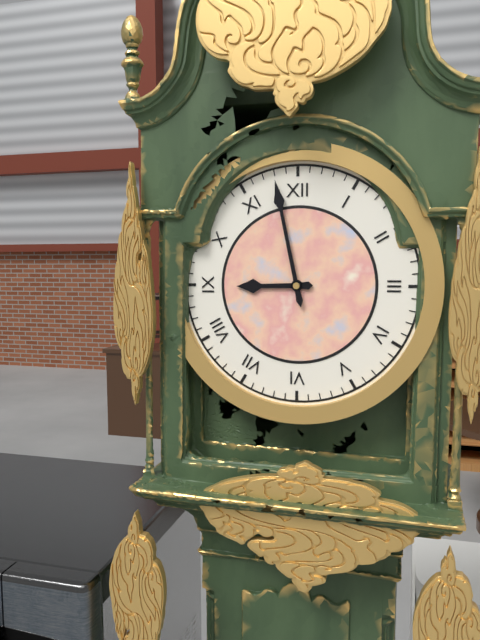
8:58
